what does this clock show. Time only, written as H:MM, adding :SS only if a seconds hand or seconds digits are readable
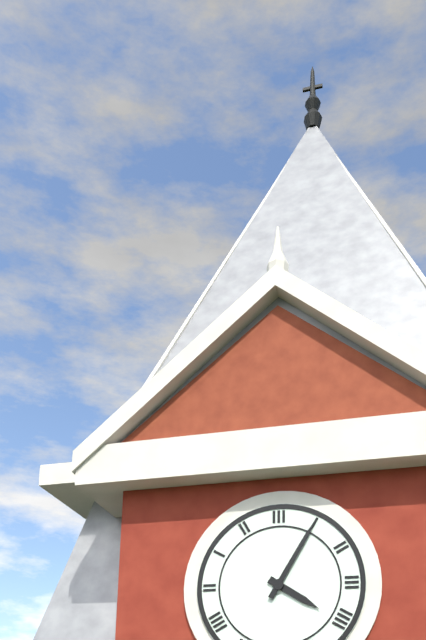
4:05
